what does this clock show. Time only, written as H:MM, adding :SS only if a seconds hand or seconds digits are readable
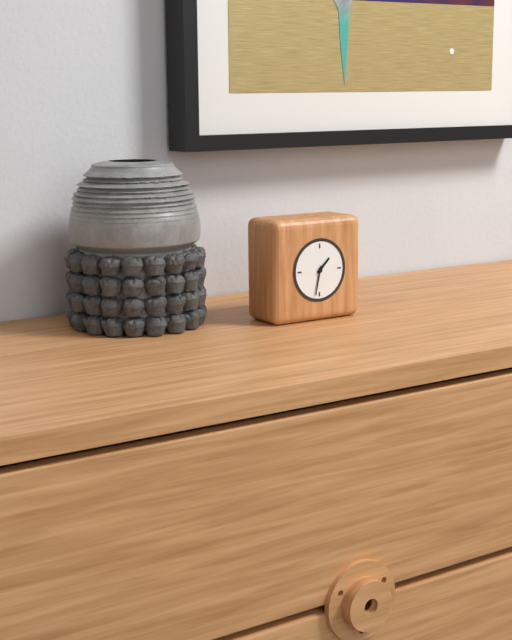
1:32
